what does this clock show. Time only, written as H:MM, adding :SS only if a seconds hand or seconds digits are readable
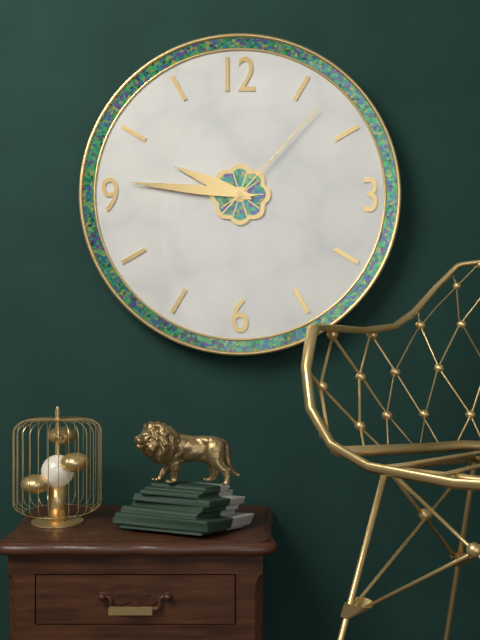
9:46:07
